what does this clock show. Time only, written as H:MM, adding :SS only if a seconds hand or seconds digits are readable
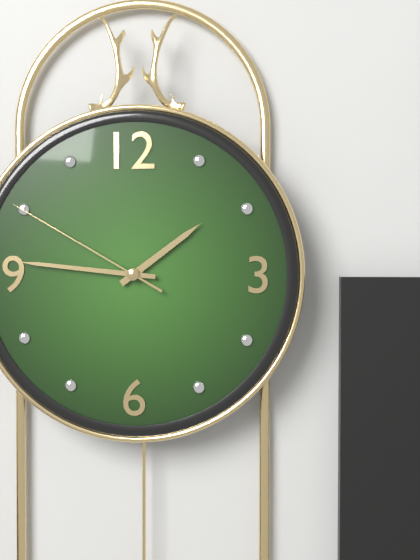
1:46:50
